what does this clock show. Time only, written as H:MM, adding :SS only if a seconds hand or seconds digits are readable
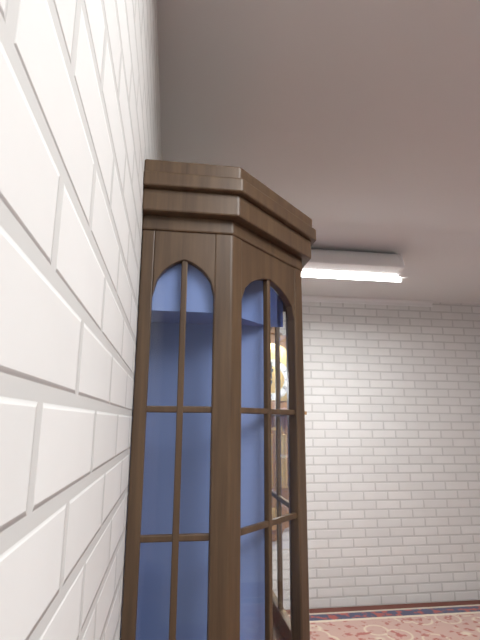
12:00
